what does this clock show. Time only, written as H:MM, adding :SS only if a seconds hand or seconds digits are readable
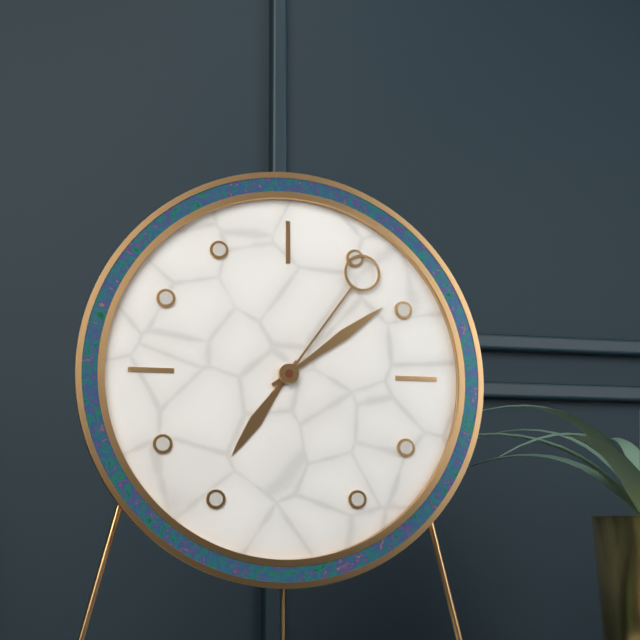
7:09:06
